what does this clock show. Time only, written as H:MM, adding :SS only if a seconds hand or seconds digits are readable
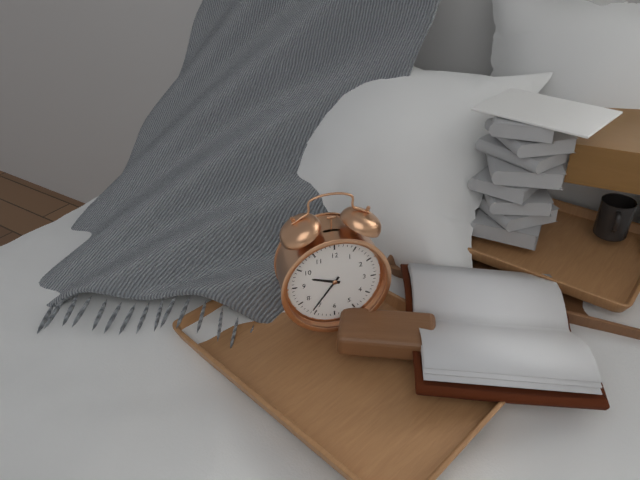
9:36
